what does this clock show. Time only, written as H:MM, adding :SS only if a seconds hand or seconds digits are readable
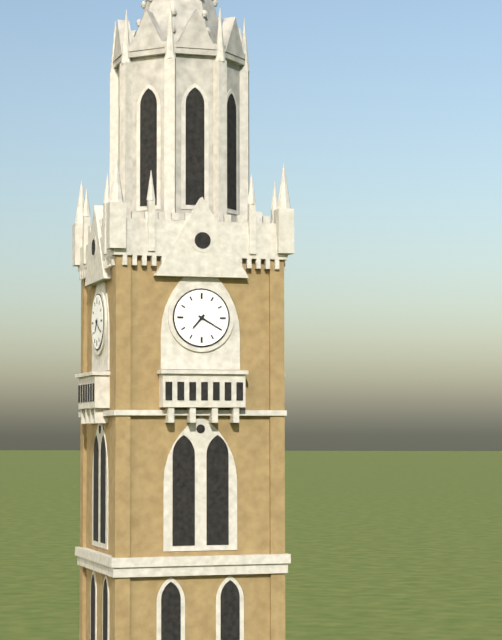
7:20
